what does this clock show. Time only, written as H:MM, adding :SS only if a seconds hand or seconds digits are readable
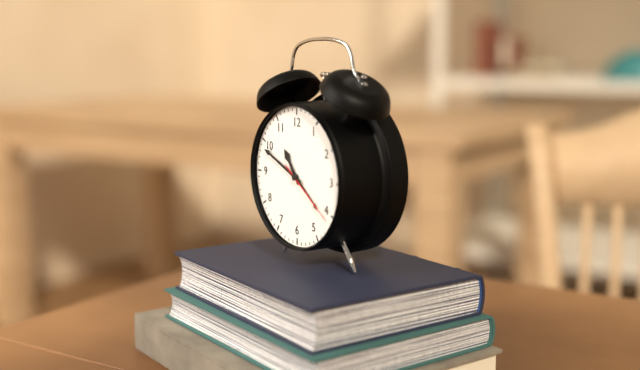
10:49:21
